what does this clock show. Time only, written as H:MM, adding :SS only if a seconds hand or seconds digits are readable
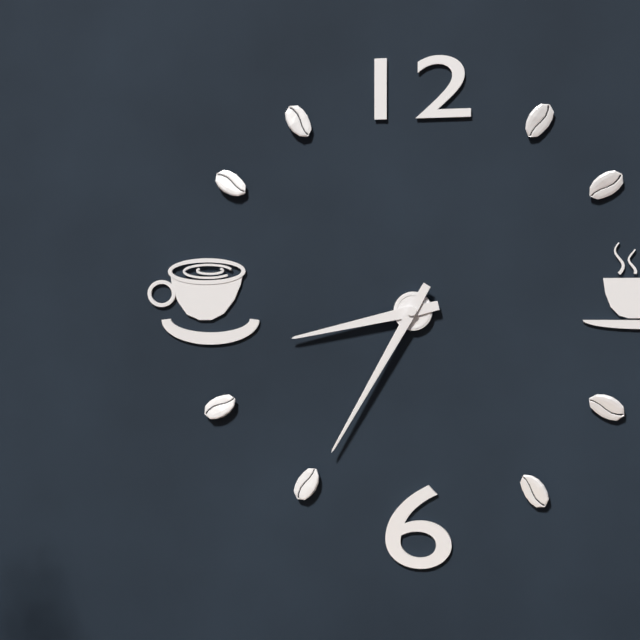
8:35
